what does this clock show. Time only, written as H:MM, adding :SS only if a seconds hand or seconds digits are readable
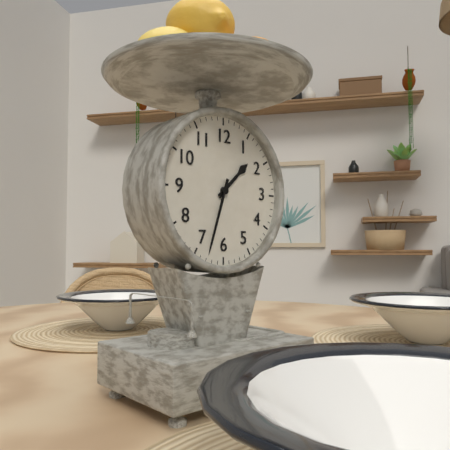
1:33
